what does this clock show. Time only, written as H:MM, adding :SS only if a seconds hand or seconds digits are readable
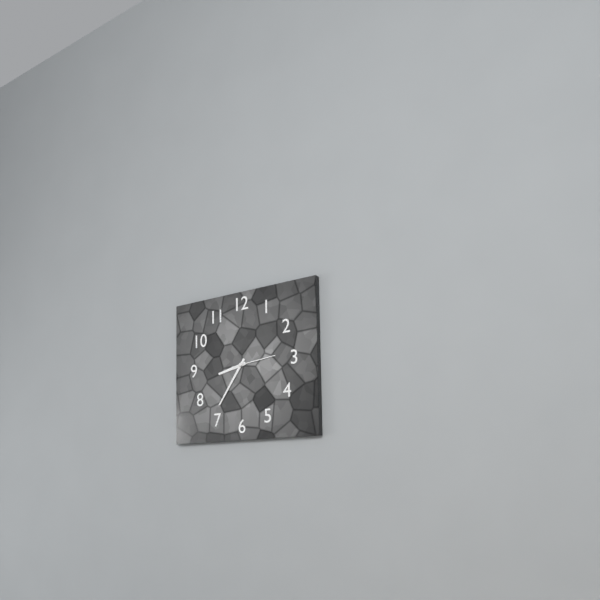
8:36
